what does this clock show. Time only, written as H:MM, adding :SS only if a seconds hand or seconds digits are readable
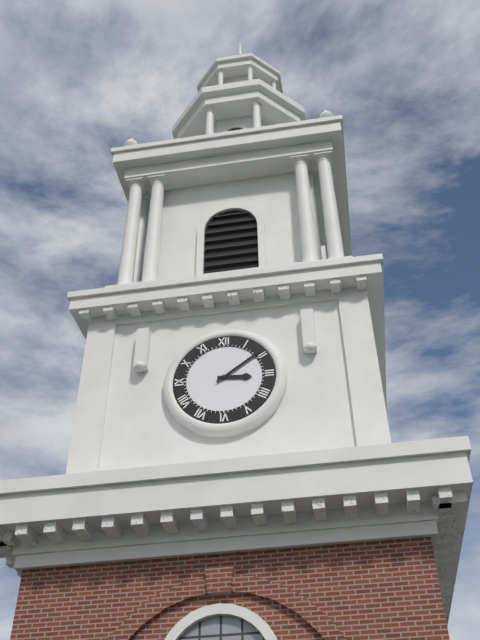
3:09
